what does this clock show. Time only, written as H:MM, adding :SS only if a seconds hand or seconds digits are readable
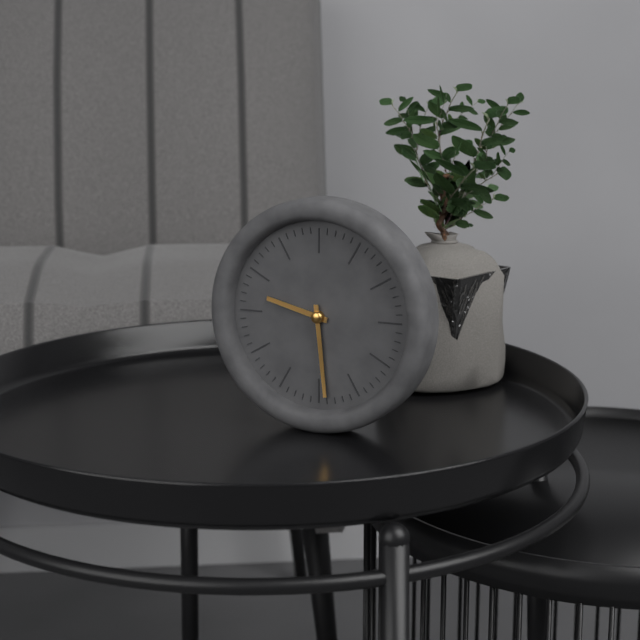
9:29
